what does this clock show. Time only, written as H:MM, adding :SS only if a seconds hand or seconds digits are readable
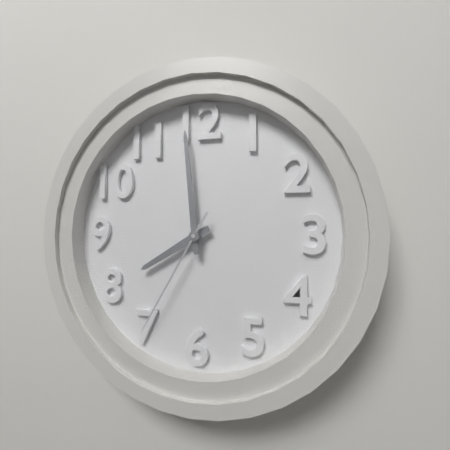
7:59:35
